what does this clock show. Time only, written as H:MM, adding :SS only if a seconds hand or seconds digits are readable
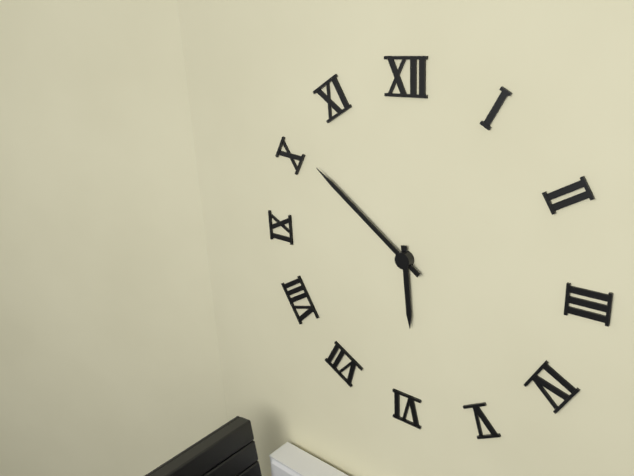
5:51
